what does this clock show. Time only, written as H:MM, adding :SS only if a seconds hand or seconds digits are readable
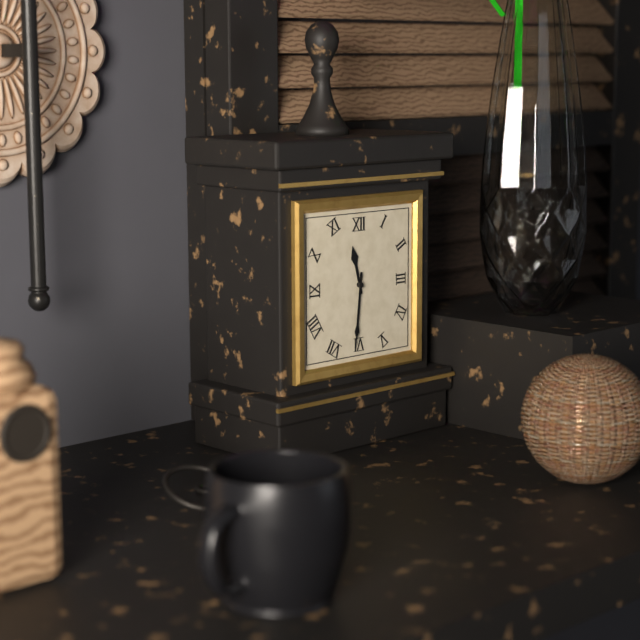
11:31
